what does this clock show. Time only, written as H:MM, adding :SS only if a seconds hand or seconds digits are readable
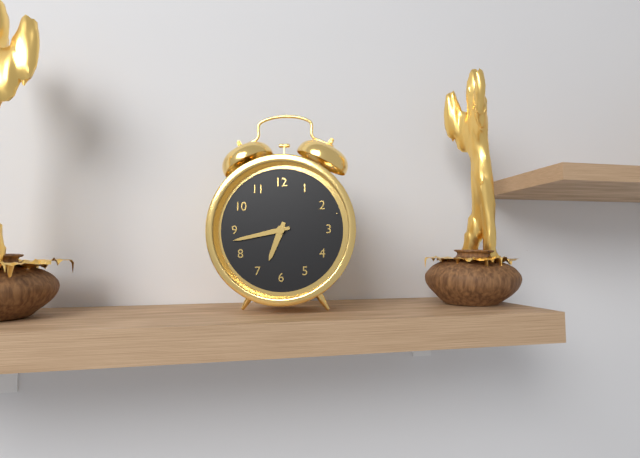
6:43
